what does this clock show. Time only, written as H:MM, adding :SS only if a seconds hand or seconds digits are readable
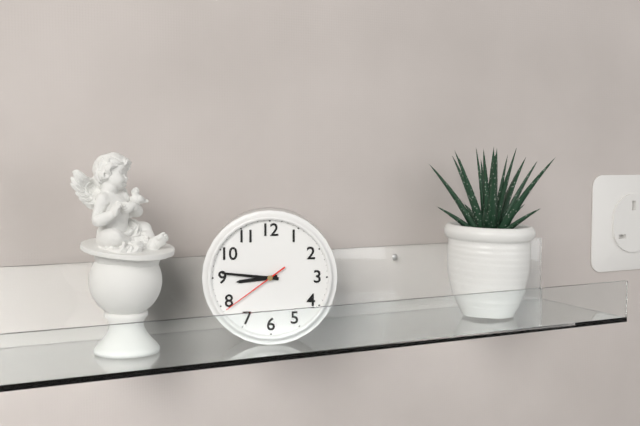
8:46:39
